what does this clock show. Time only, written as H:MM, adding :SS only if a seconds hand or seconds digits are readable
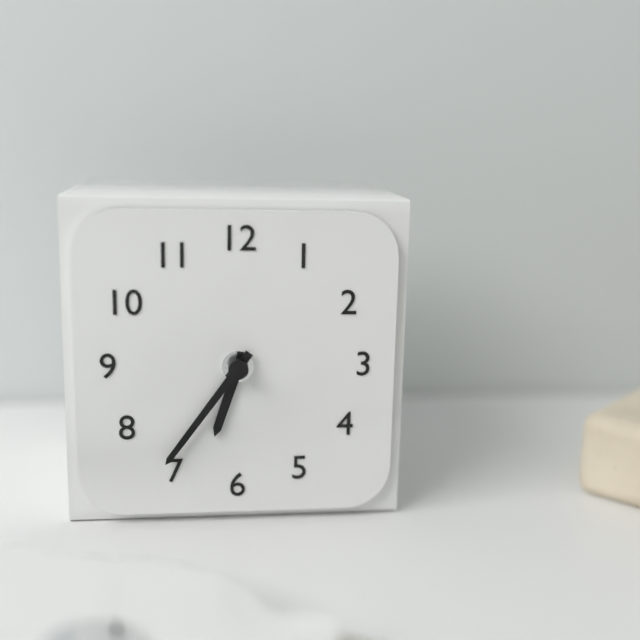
6:36
